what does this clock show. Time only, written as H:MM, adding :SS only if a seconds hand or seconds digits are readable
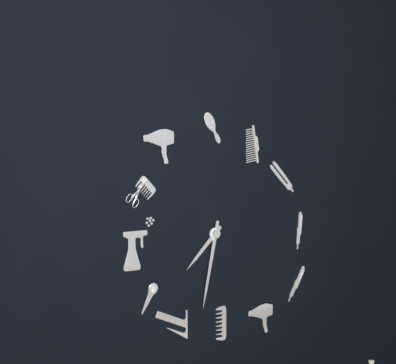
7:32
